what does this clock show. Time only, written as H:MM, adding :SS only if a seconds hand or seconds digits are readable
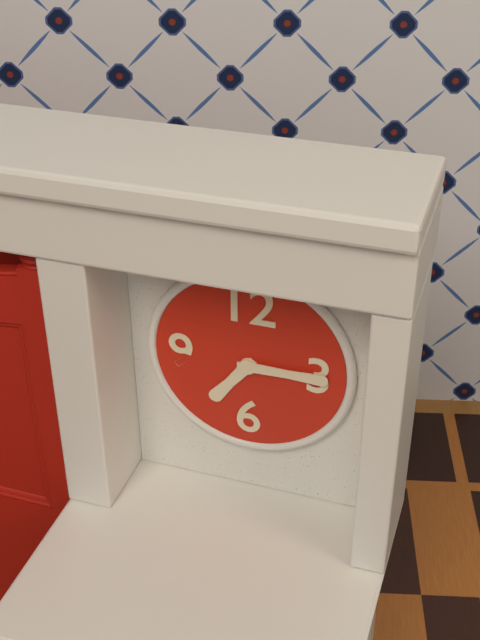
7:15
